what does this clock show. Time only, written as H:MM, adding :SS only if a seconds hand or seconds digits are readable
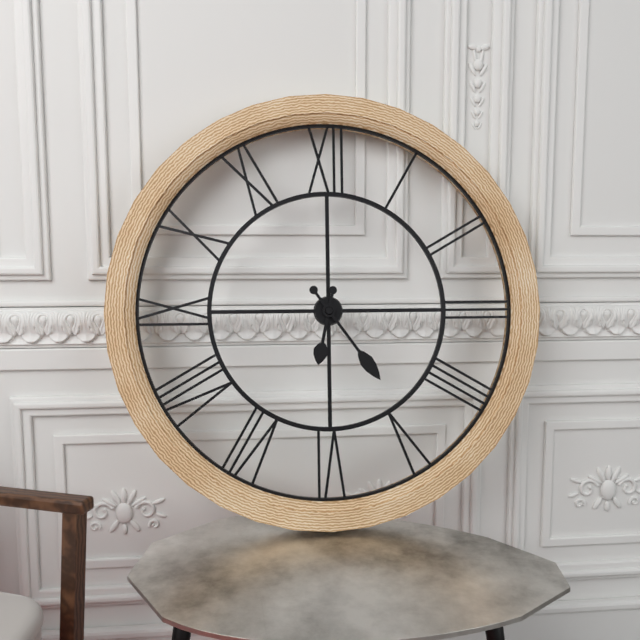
6:24
